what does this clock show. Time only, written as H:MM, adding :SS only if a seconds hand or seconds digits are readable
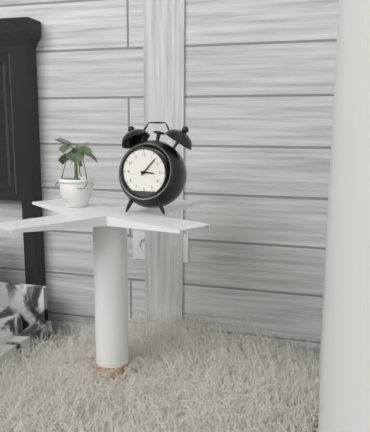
3:07
